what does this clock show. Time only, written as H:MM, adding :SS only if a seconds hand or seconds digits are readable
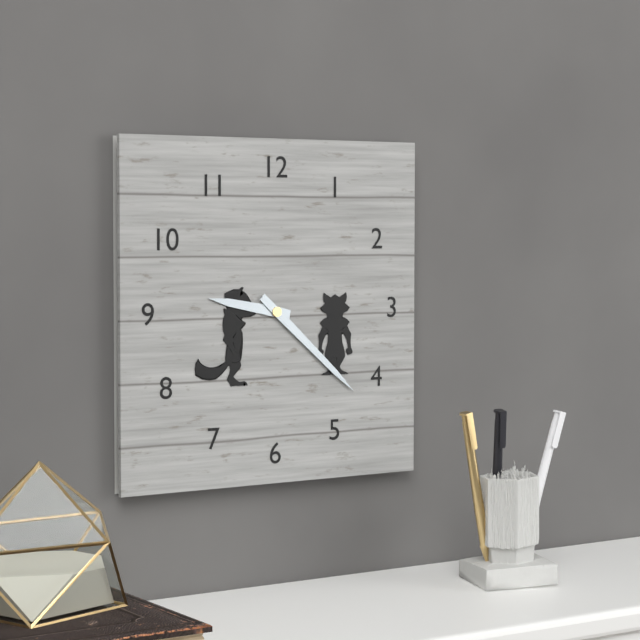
9:22
